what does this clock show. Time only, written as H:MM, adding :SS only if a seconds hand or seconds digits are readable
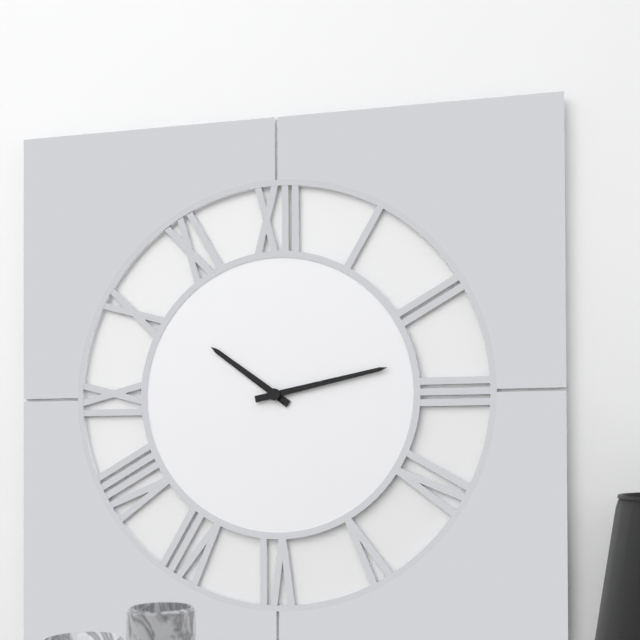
10:13
